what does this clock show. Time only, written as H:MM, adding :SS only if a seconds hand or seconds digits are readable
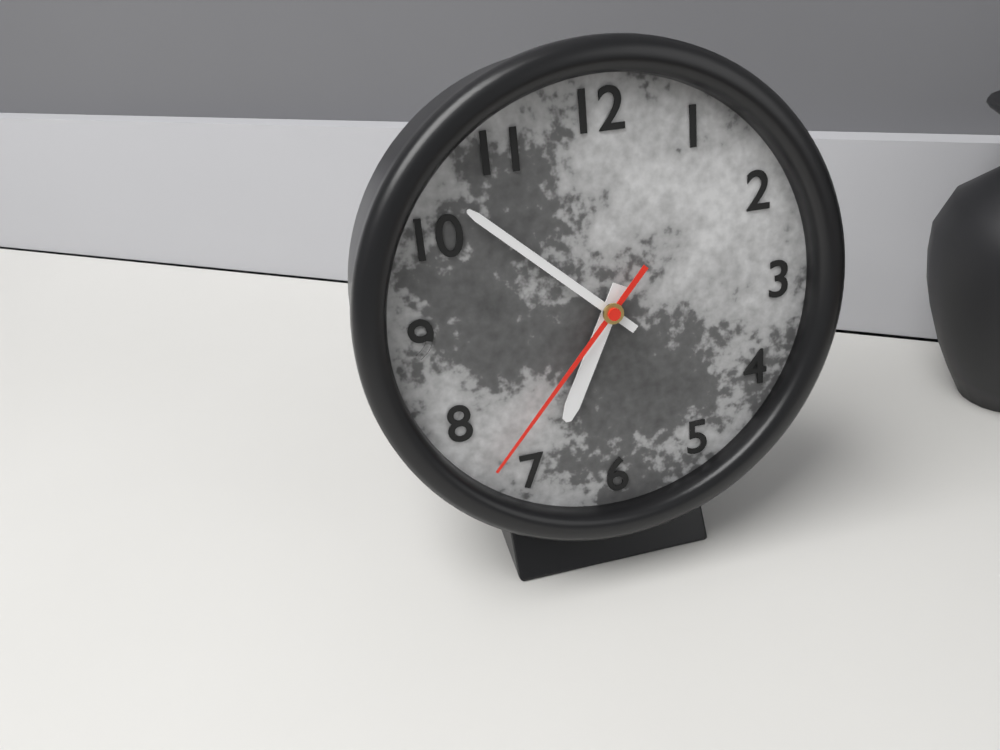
6:52:37
